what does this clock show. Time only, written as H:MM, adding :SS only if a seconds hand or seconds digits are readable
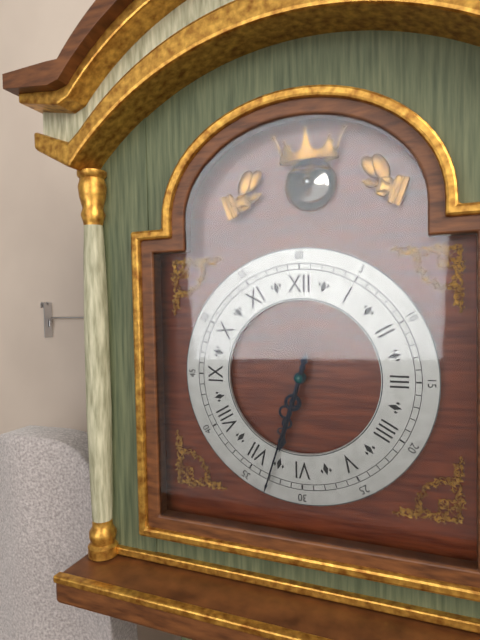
6:33
